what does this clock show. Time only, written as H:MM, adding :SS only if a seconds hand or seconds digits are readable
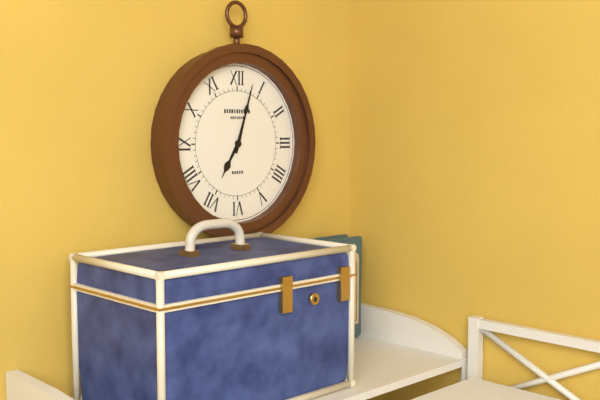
7:03
